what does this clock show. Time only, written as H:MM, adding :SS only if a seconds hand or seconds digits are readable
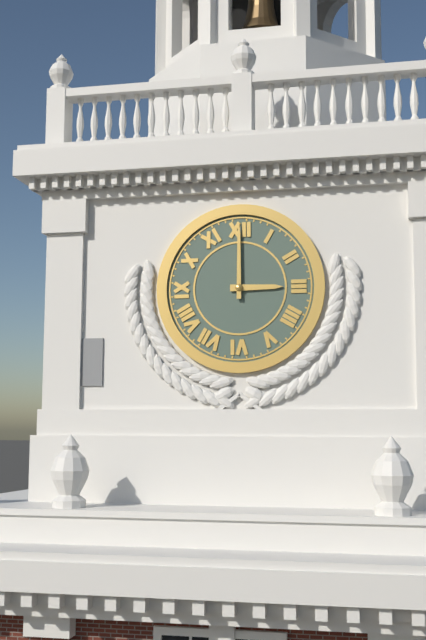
3:00
